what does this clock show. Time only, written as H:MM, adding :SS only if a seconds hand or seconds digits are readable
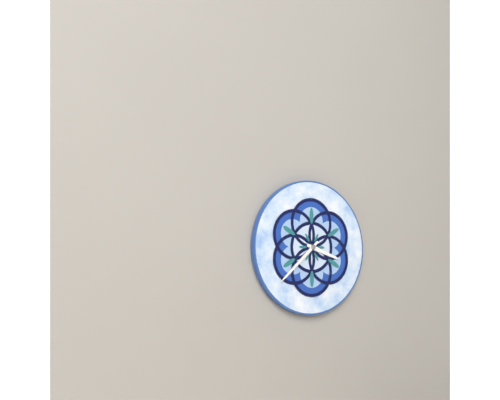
3:38
